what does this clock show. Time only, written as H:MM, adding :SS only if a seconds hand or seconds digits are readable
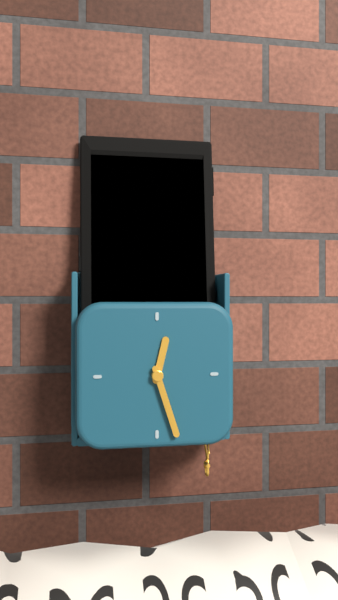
12:27
